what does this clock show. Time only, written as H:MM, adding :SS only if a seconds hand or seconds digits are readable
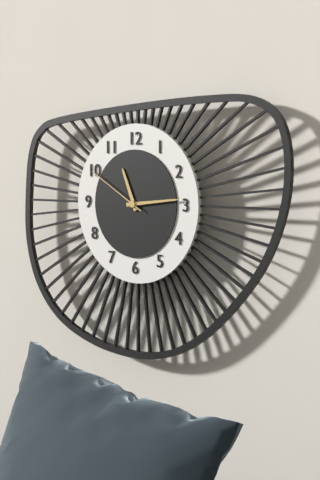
11:14:50
